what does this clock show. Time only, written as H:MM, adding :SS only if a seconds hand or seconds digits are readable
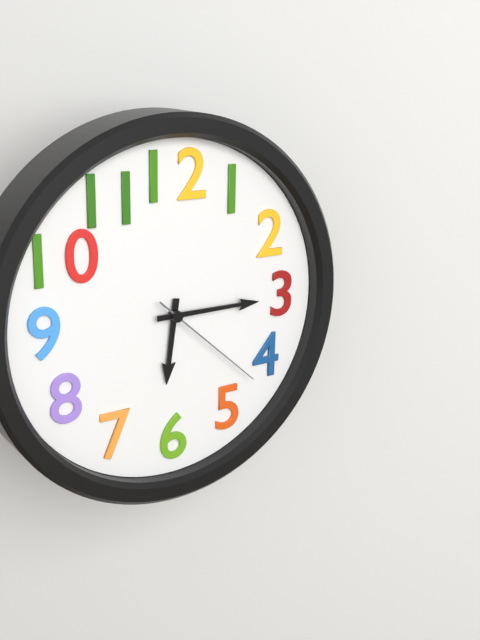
6:15:22
